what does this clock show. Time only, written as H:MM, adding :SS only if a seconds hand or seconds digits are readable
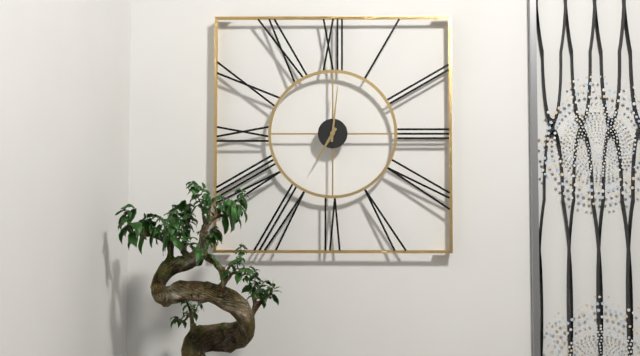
7:01
